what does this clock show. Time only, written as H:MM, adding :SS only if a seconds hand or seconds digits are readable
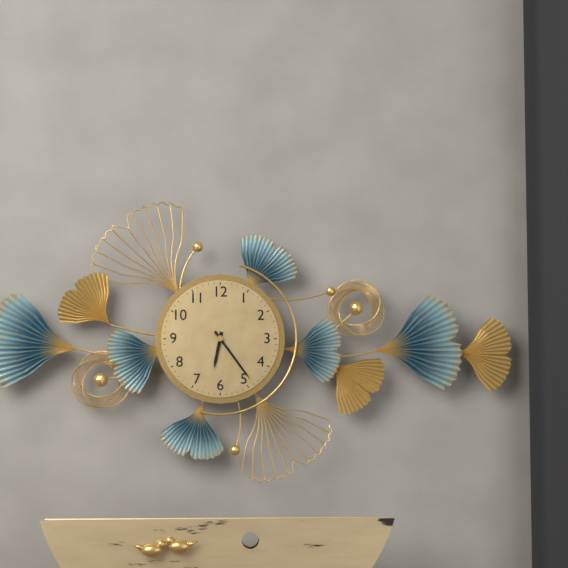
6:24
